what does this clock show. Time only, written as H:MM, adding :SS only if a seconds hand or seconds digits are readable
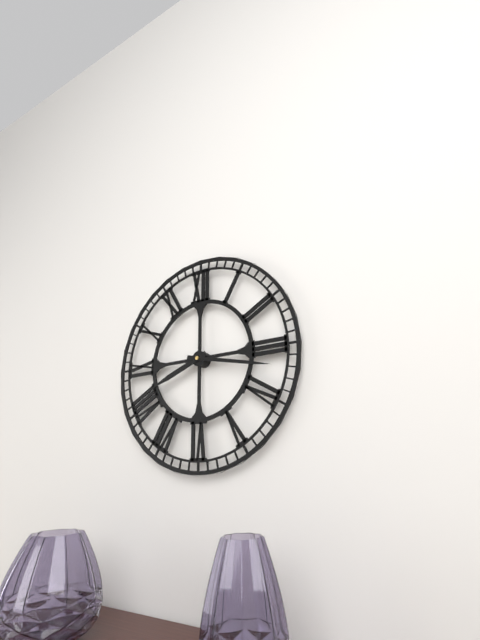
8:17
